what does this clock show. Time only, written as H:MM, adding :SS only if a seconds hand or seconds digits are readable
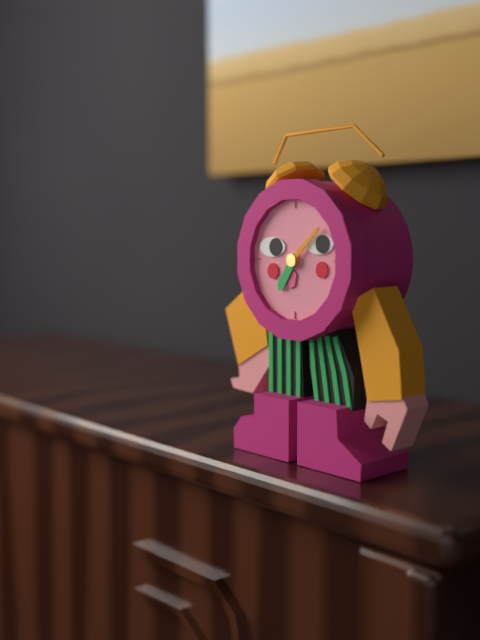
7:08
